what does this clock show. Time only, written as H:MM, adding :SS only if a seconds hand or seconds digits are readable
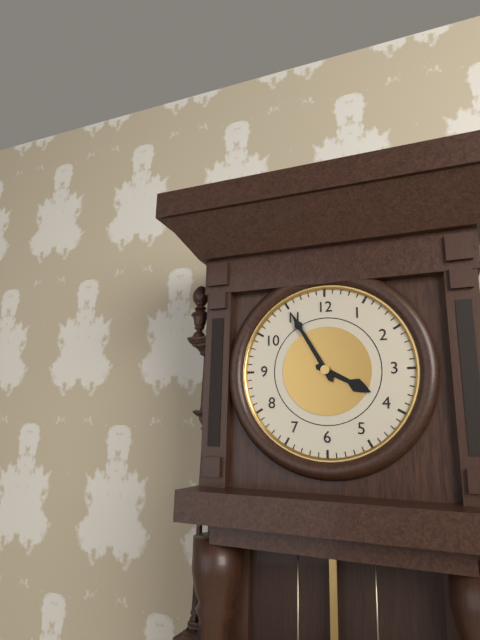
3:55
